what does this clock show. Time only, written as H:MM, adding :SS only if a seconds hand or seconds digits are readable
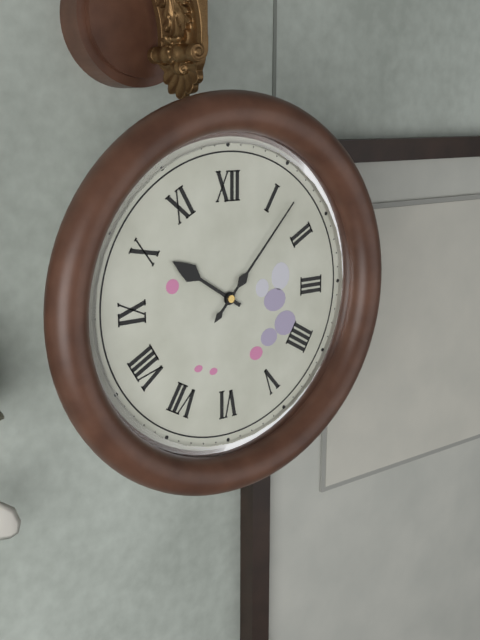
10:07
